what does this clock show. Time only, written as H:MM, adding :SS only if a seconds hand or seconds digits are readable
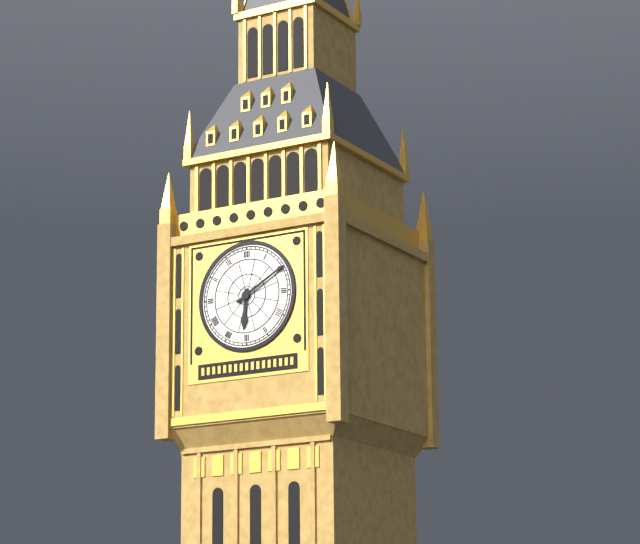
6:10
